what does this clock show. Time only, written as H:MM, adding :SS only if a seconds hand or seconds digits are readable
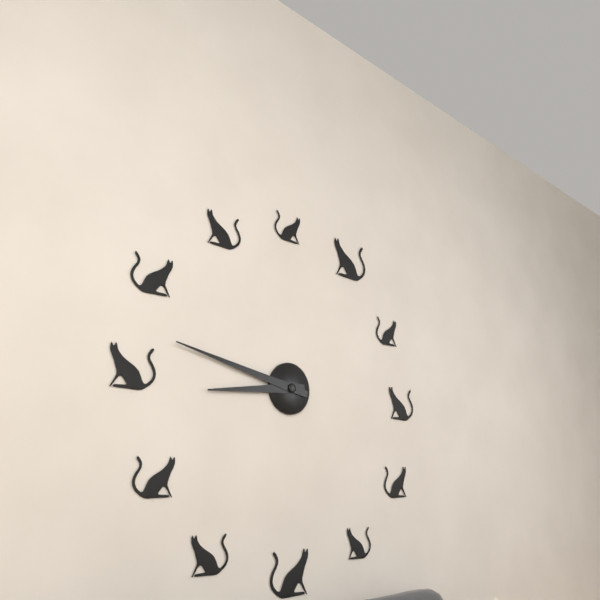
8:47
